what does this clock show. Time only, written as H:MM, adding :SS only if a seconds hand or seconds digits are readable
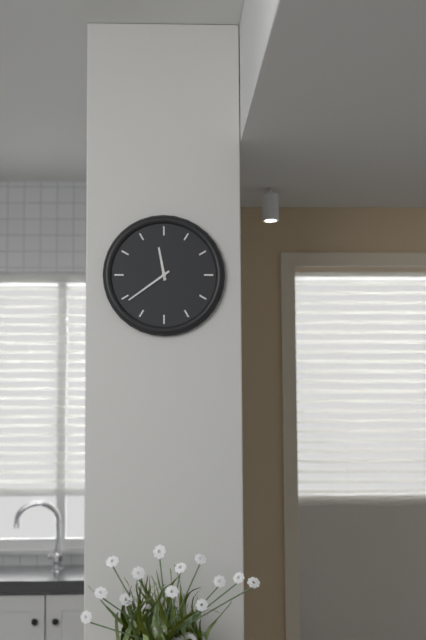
11:39
